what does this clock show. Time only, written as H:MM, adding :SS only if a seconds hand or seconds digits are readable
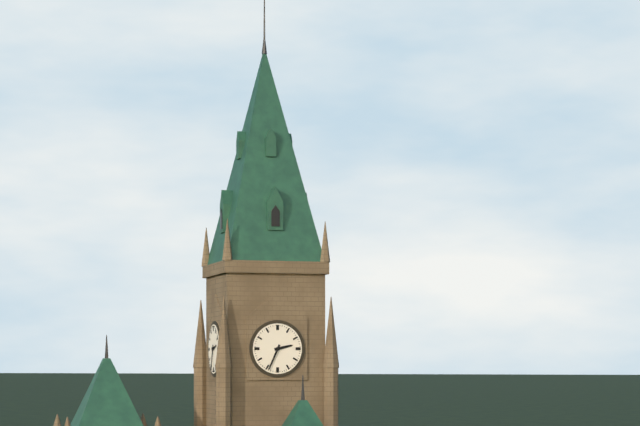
2:34
